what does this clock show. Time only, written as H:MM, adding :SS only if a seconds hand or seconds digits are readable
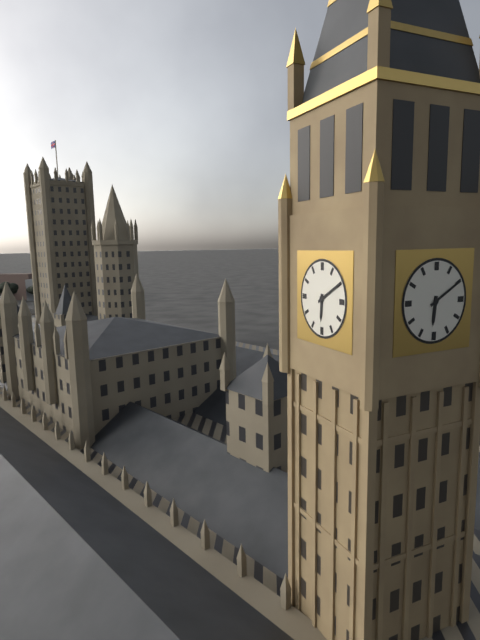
6:10
